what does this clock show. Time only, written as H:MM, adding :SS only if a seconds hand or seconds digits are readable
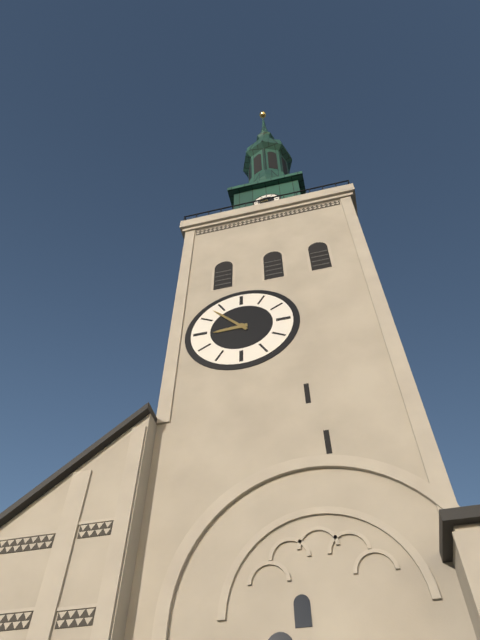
8:53
